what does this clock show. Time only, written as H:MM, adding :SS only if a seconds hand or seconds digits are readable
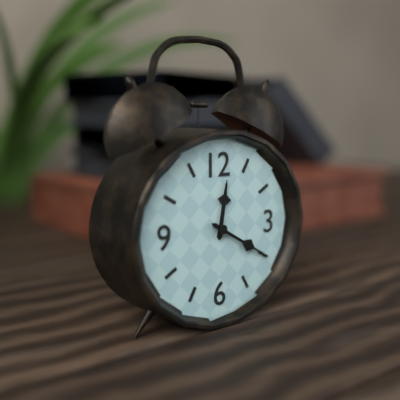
12:20
